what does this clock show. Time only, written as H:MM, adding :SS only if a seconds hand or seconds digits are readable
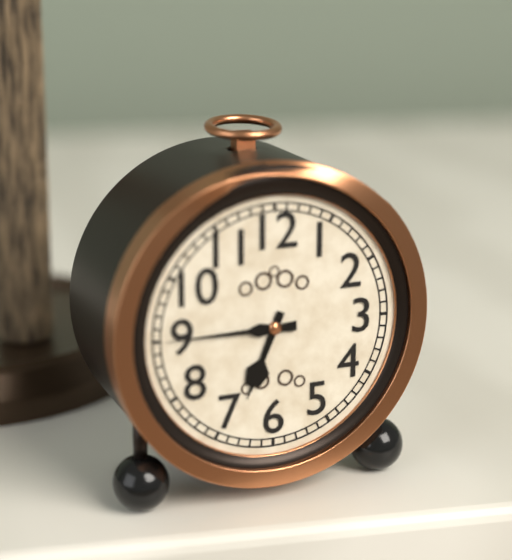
6:45
